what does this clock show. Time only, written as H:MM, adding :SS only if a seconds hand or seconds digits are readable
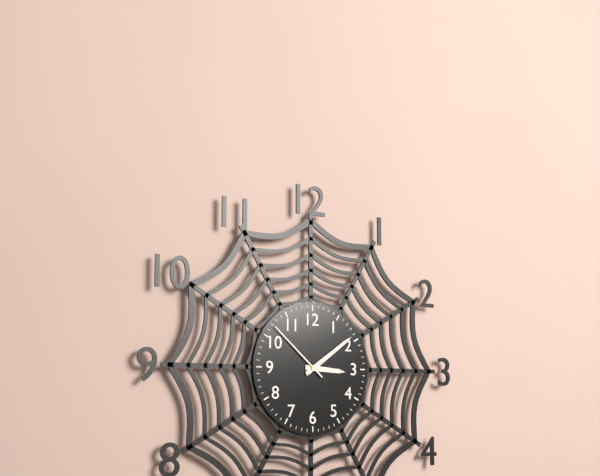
3:09:52
